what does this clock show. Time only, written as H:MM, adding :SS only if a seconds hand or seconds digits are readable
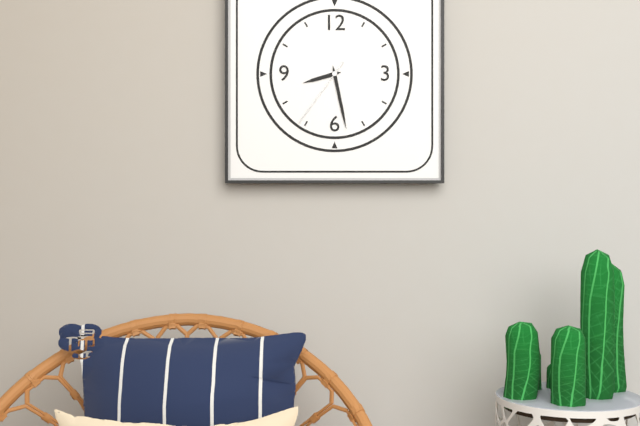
8:28:36
